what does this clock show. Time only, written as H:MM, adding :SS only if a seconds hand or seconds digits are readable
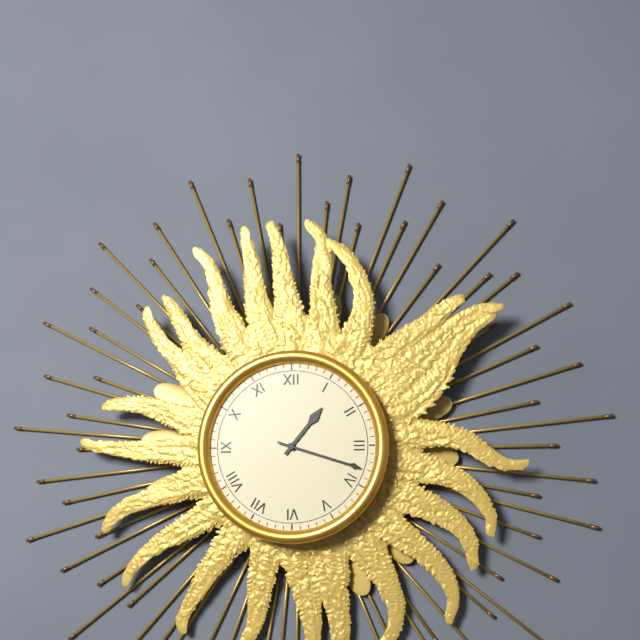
1:18
